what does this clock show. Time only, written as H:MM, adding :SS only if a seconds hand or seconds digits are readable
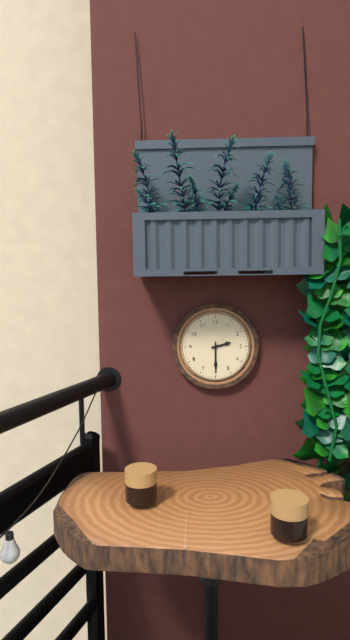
2:30
